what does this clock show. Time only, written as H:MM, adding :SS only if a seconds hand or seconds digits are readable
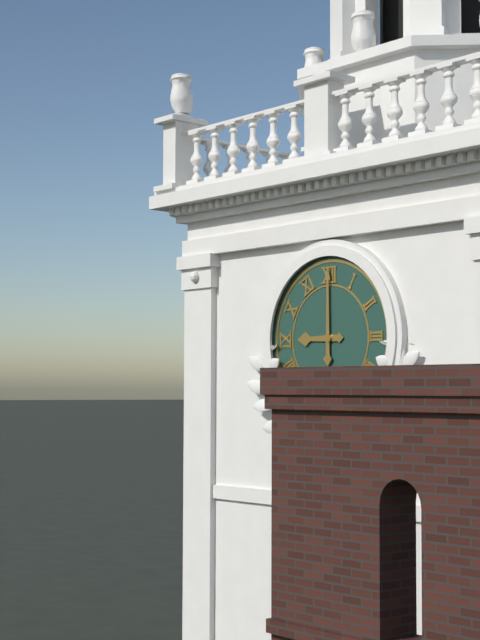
9:00
